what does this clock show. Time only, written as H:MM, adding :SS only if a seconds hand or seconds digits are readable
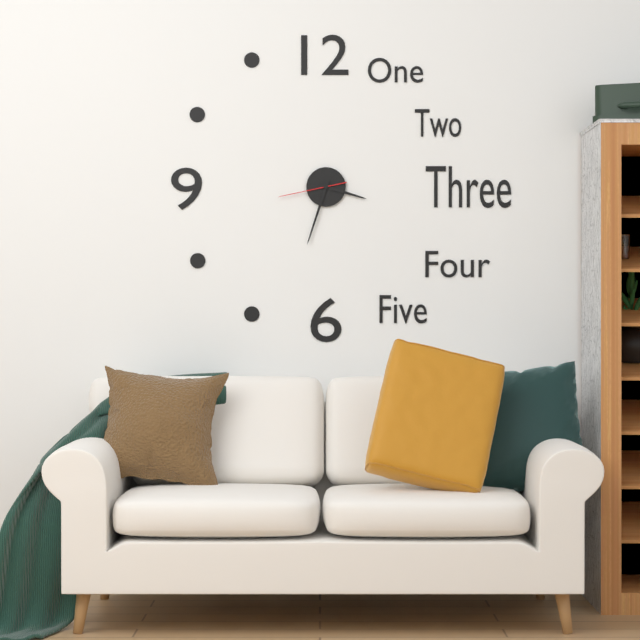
3:33:43
